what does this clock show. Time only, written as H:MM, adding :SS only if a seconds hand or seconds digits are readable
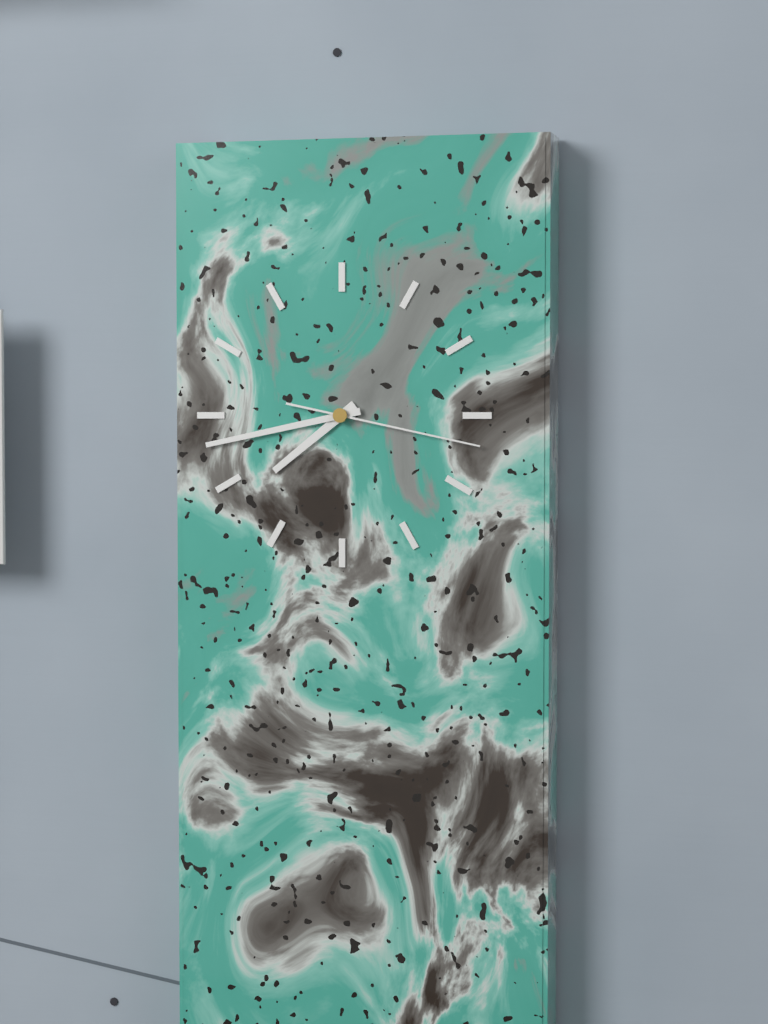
7:43:17
